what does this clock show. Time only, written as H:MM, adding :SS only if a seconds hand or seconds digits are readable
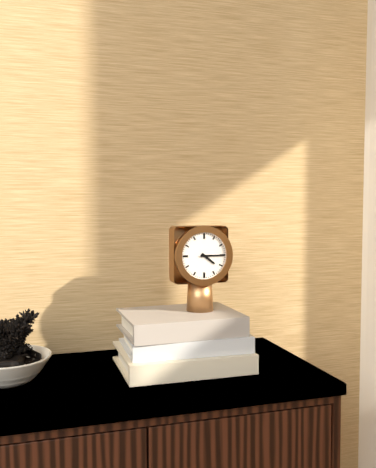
4:15
